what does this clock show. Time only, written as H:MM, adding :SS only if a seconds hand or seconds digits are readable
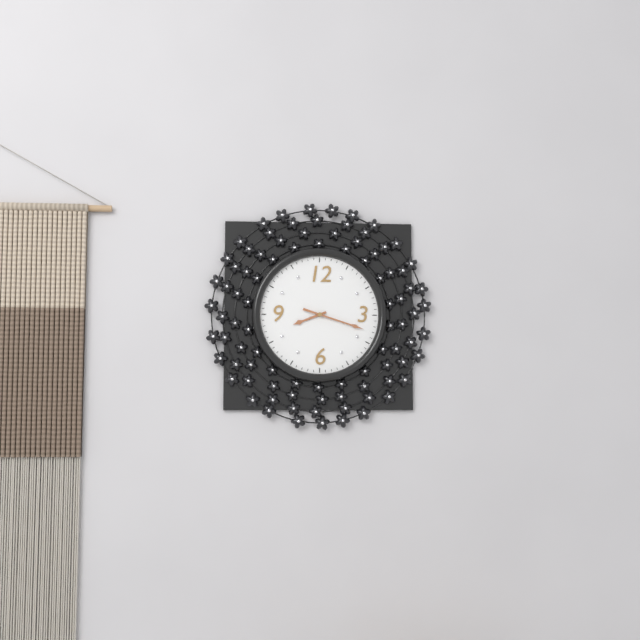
8:18
